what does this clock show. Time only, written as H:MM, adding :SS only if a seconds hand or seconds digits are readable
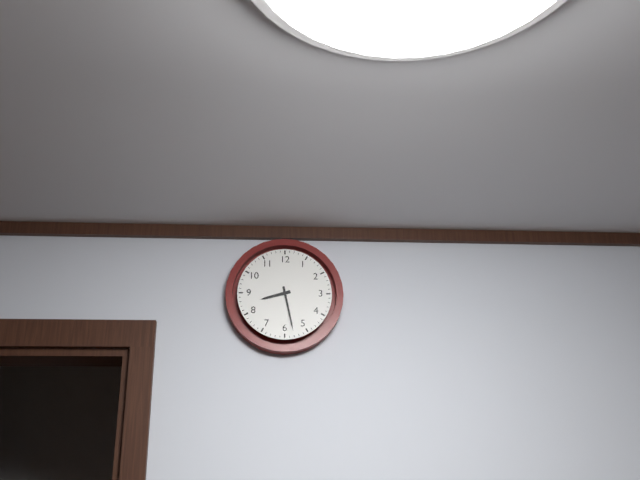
8:28
